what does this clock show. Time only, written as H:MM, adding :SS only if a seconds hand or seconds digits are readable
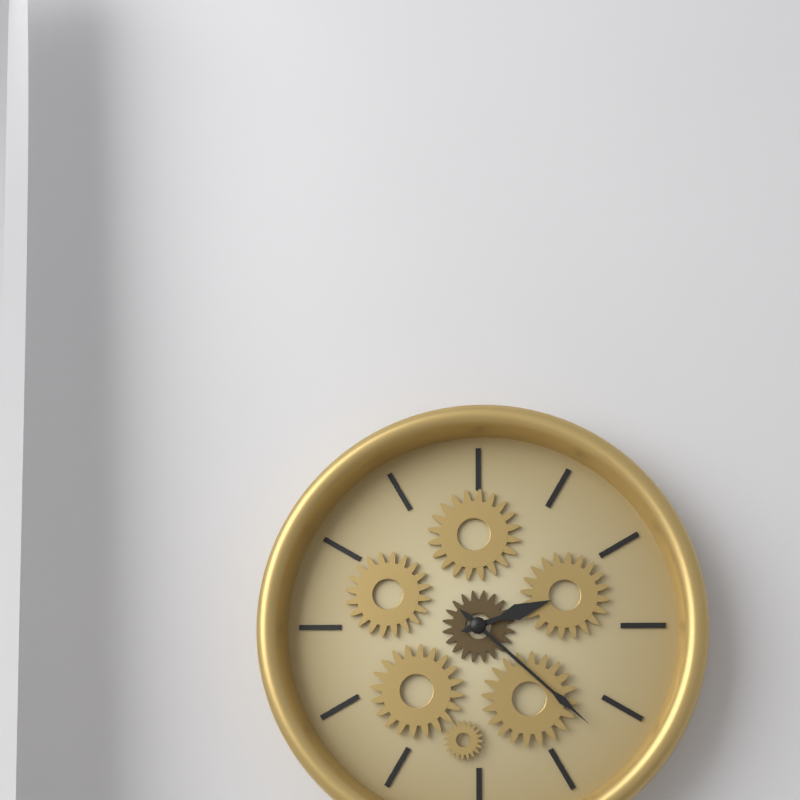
2:22
